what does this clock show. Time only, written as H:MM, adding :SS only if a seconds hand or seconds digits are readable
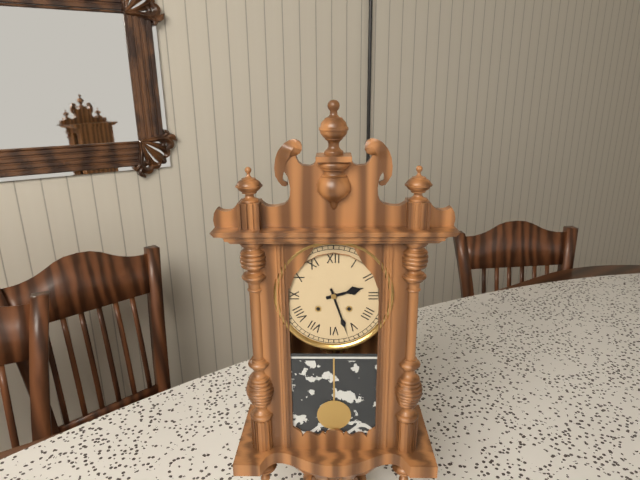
2:27
